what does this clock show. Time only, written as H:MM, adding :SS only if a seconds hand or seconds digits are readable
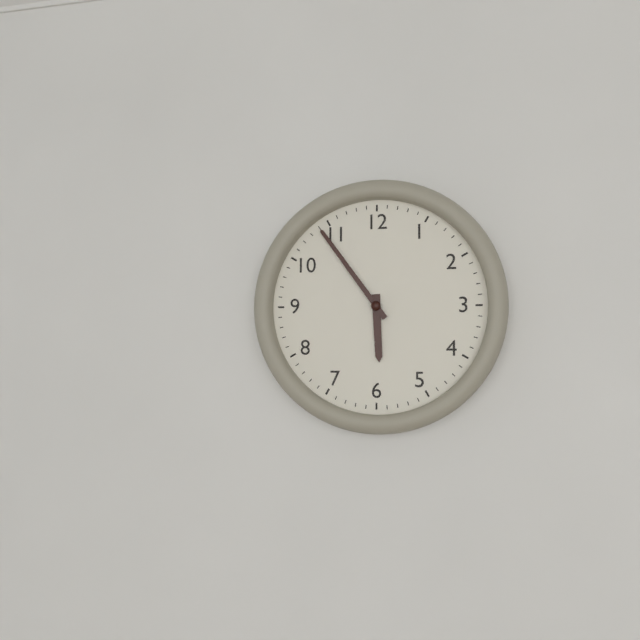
5:54
